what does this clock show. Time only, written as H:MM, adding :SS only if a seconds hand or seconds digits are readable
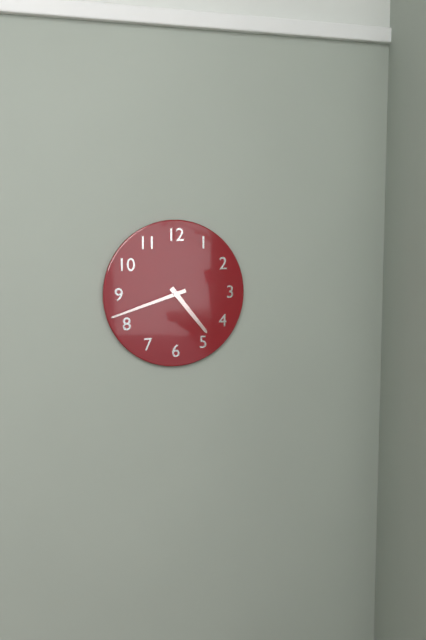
4:42
